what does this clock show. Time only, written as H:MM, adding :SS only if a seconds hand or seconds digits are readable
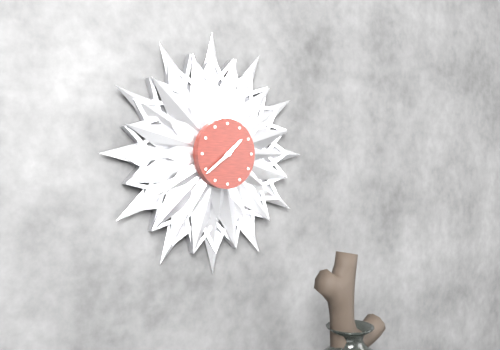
1:39
